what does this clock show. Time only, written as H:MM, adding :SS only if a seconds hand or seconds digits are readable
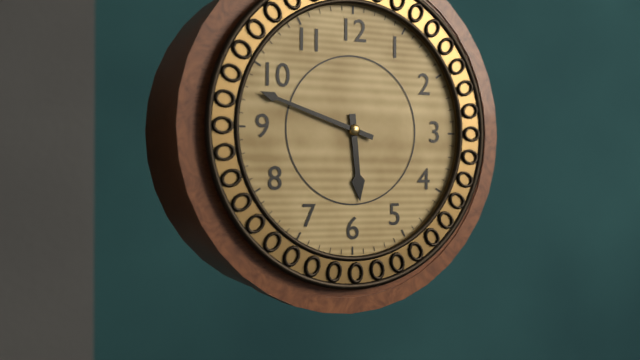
5:48
